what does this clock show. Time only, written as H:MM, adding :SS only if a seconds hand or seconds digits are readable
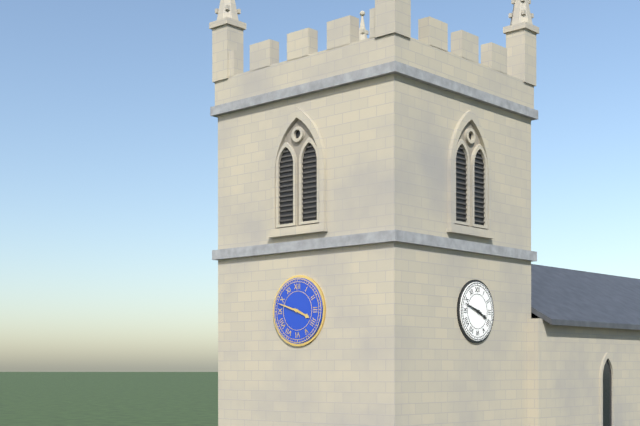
3:48
